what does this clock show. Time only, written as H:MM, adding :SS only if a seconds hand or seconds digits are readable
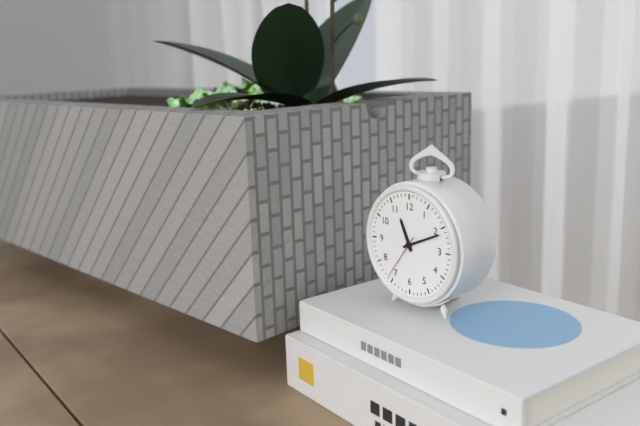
11:11
